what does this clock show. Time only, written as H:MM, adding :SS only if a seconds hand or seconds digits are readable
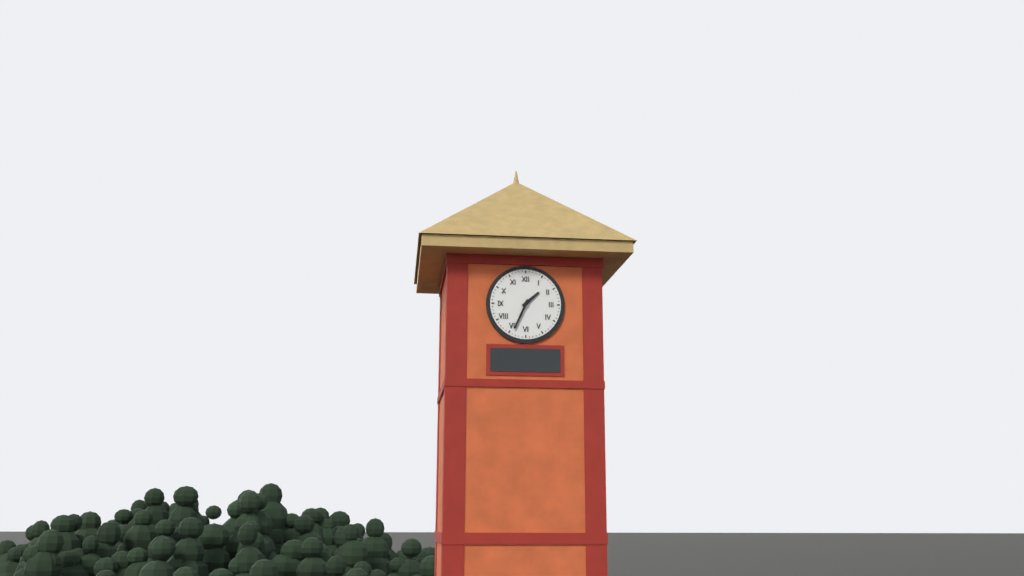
1:34
